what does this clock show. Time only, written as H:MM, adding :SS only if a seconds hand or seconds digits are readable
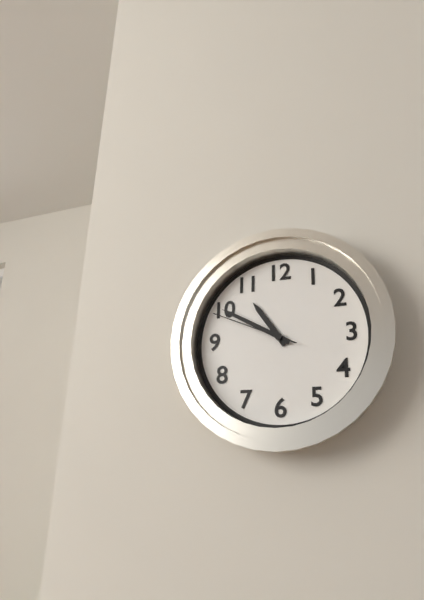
10:50:49
